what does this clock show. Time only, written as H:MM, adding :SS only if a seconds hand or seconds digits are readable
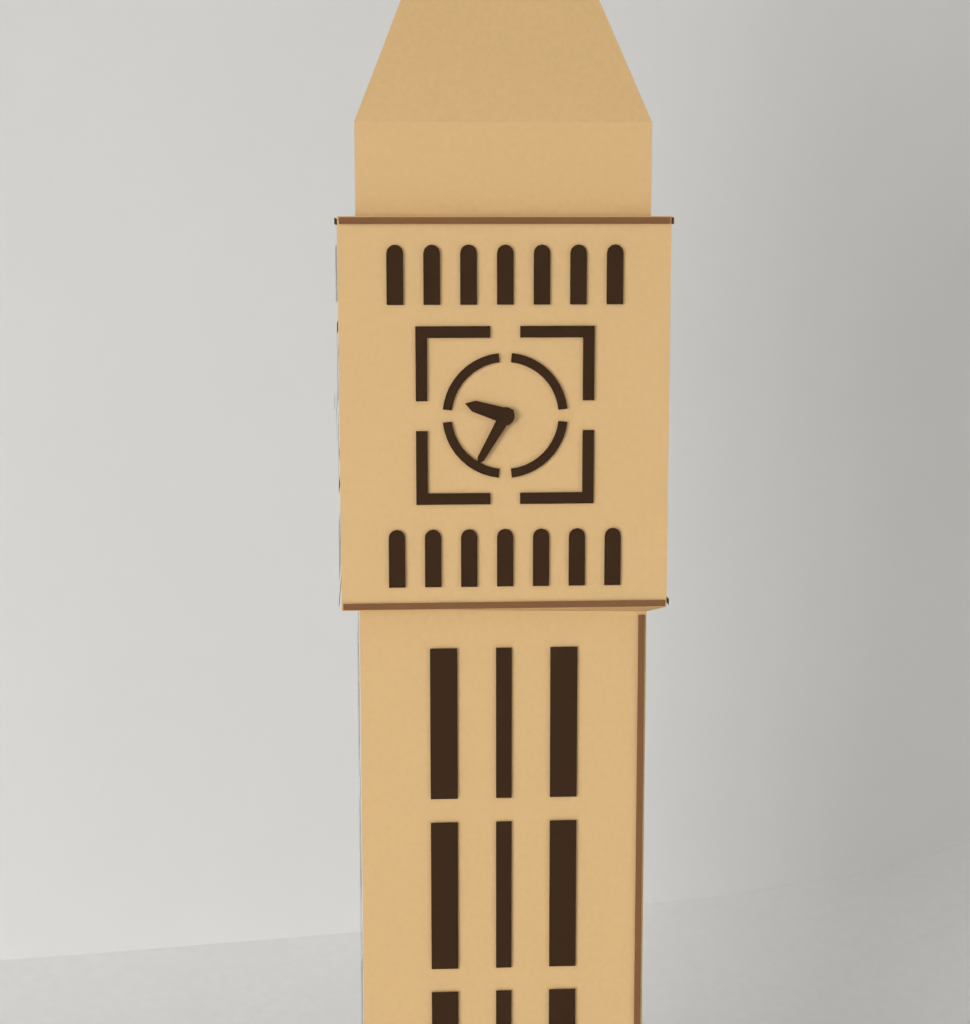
9:35
